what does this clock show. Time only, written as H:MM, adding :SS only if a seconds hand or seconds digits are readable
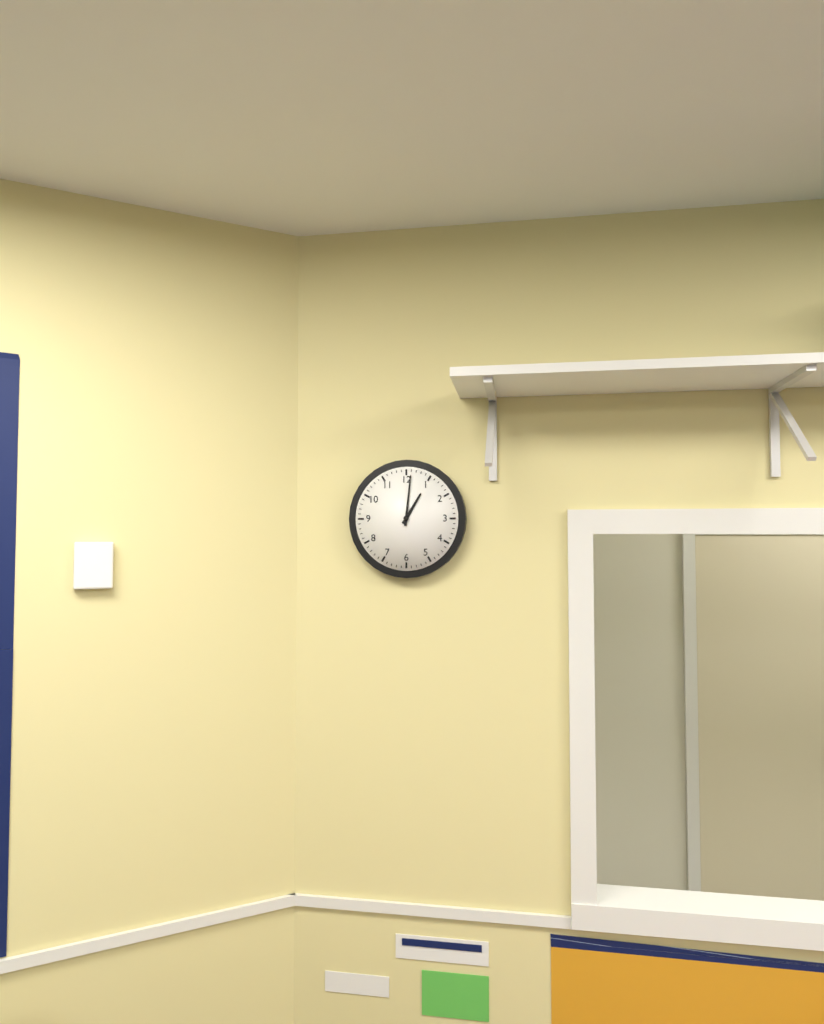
1:01
